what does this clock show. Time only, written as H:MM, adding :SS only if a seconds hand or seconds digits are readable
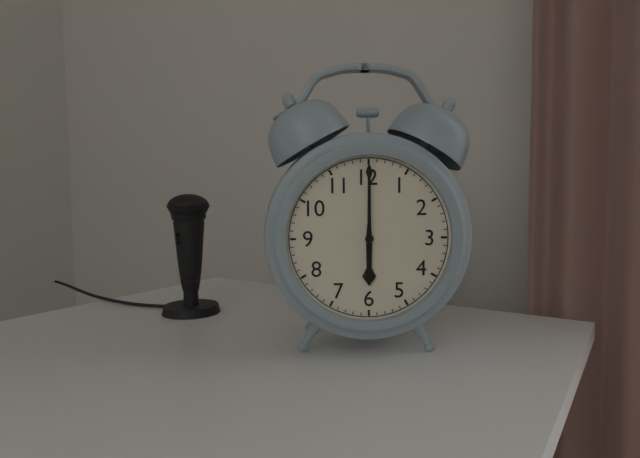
6:00
